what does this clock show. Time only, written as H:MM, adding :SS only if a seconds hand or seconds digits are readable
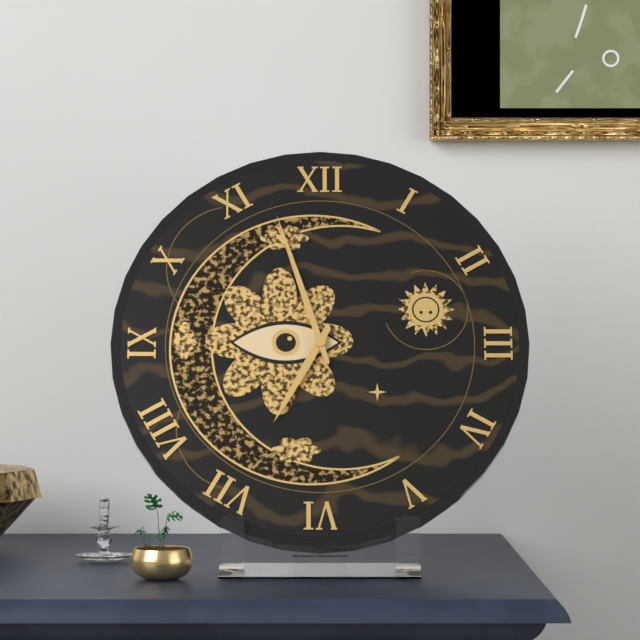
6:57
